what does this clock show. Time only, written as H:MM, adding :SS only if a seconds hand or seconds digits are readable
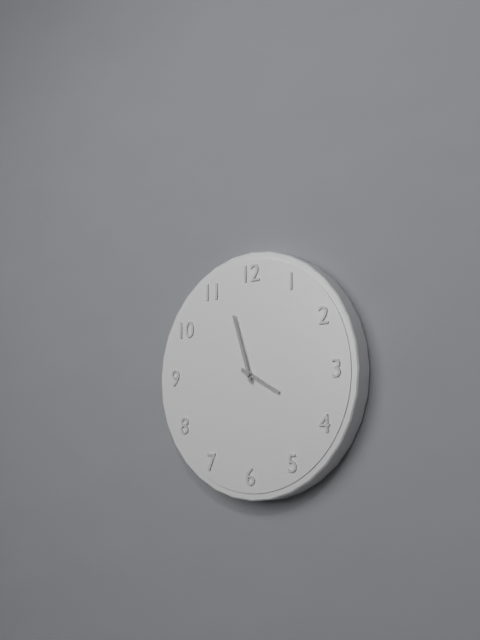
3:57
